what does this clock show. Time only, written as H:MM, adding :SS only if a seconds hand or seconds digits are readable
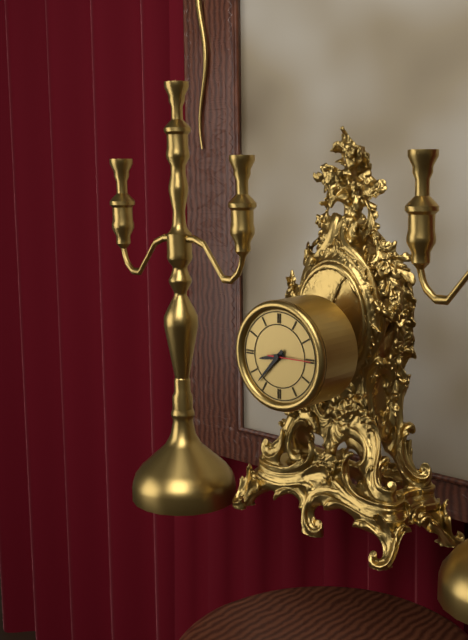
8:37
